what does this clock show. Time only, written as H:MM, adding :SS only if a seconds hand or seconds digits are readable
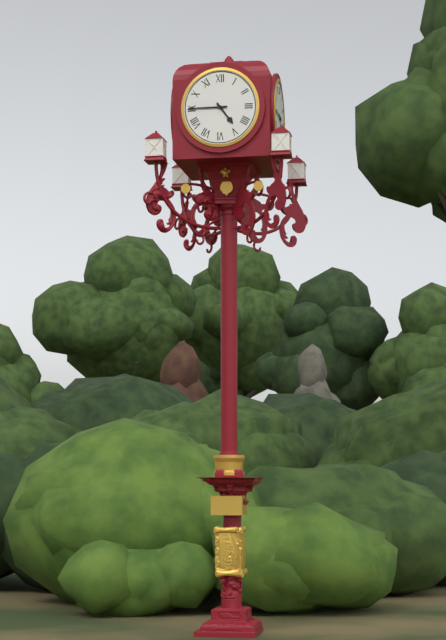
4:45
